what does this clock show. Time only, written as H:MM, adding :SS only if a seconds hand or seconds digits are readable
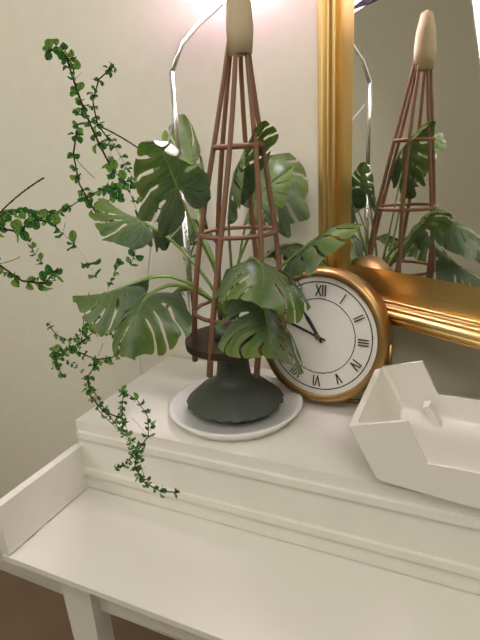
10:48
